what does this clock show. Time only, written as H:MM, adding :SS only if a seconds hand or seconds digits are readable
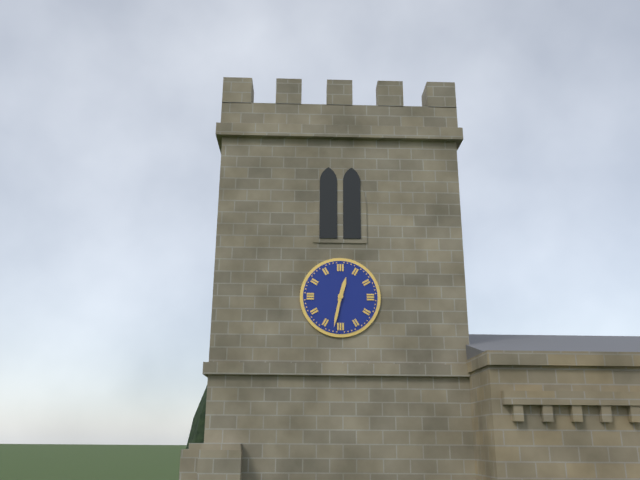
12:32
